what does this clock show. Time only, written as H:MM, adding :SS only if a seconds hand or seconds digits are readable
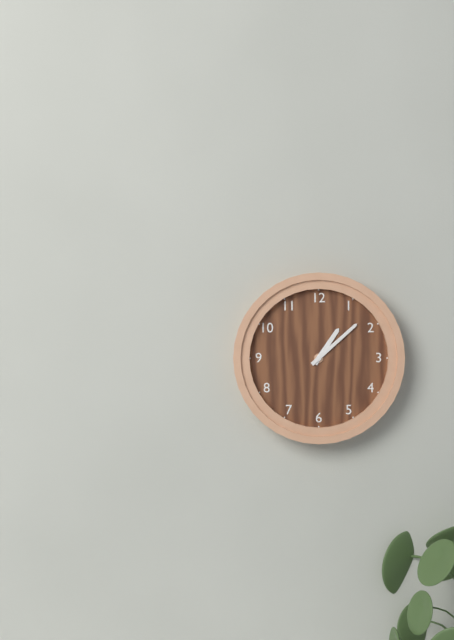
1:08
